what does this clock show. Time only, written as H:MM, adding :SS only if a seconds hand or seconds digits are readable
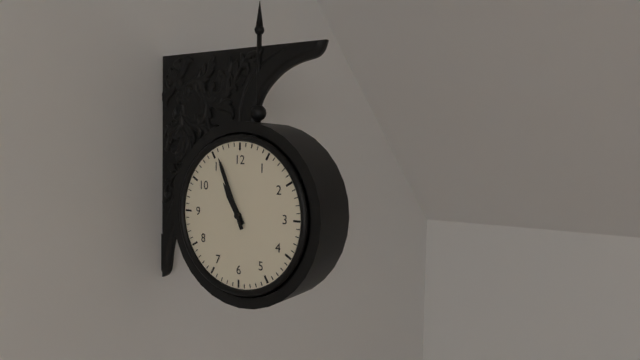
10:56
